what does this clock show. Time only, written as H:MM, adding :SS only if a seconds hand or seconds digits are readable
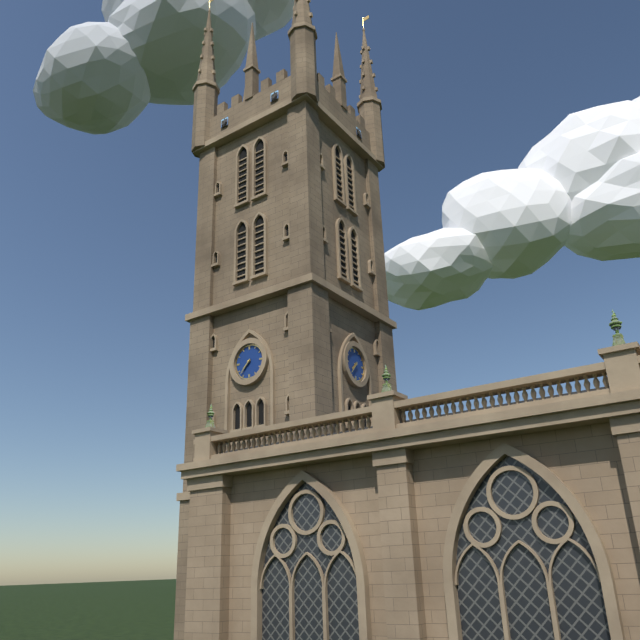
7:37
